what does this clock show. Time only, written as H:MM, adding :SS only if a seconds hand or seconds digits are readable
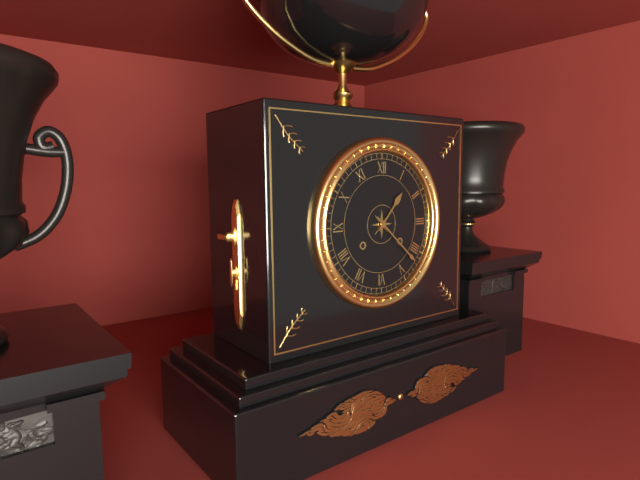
1:22
